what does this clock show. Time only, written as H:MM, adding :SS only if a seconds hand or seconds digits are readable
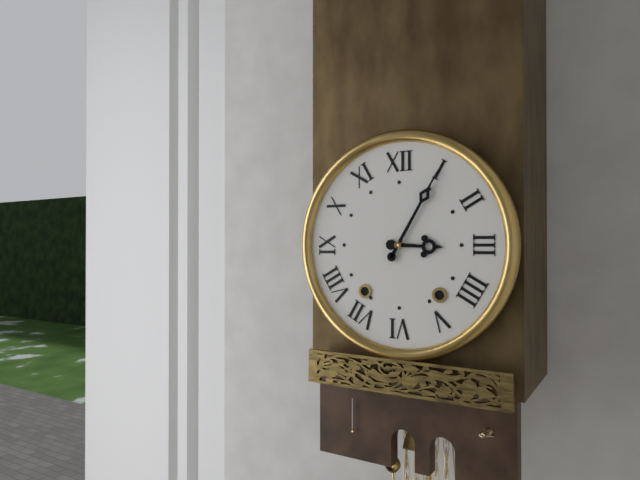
3:05
